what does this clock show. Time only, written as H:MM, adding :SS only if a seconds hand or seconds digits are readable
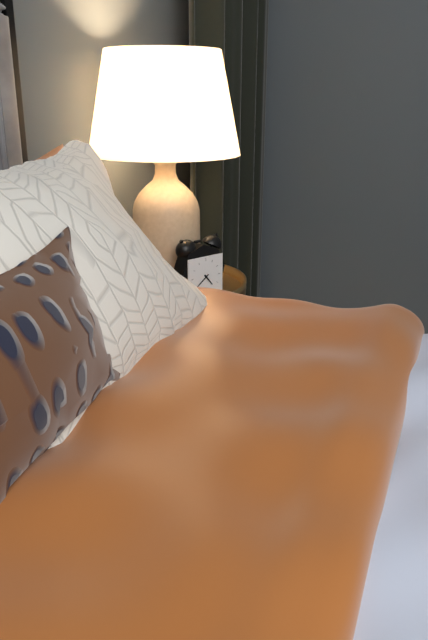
4:39
